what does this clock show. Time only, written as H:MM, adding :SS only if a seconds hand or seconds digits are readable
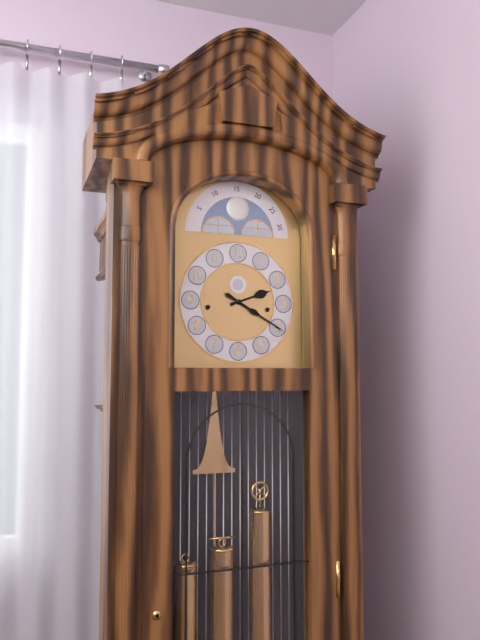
2:20
